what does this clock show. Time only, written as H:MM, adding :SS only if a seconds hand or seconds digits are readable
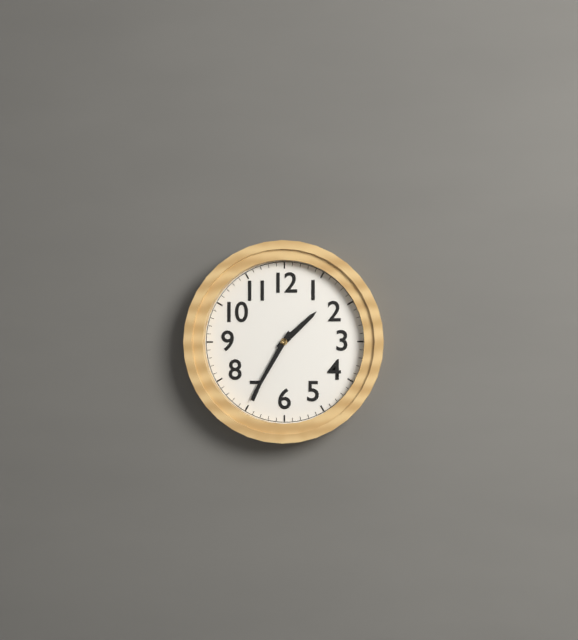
1:35
